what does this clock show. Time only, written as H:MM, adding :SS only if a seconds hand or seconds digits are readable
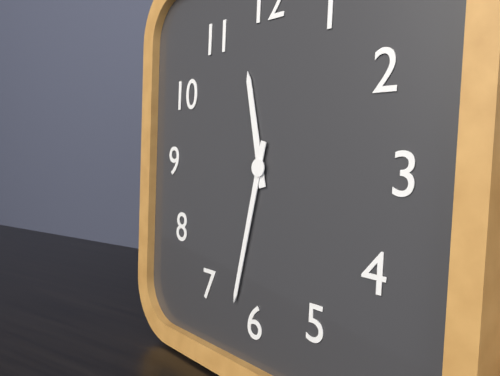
11:32
